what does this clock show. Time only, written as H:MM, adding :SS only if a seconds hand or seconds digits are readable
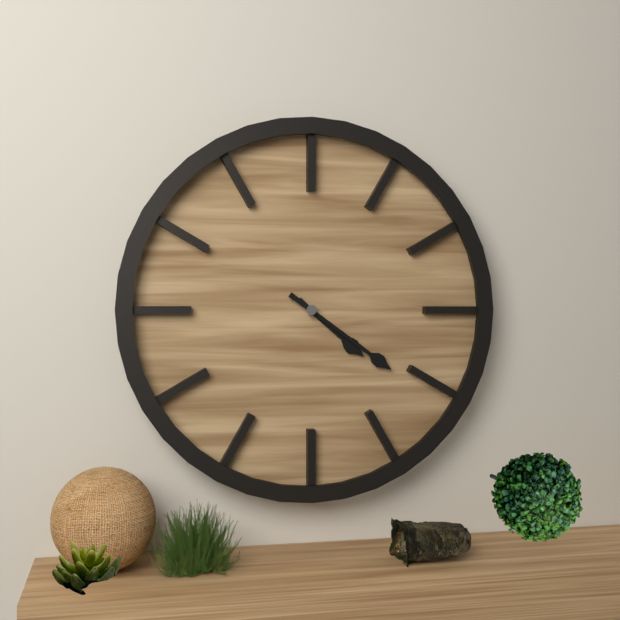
4:21
